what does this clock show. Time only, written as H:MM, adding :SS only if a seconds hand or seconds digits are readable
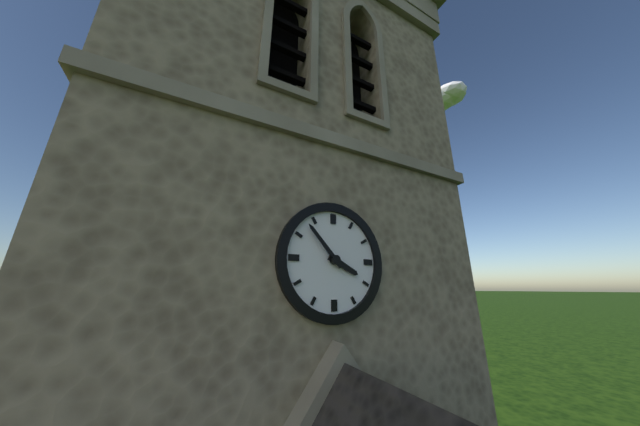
3:53
